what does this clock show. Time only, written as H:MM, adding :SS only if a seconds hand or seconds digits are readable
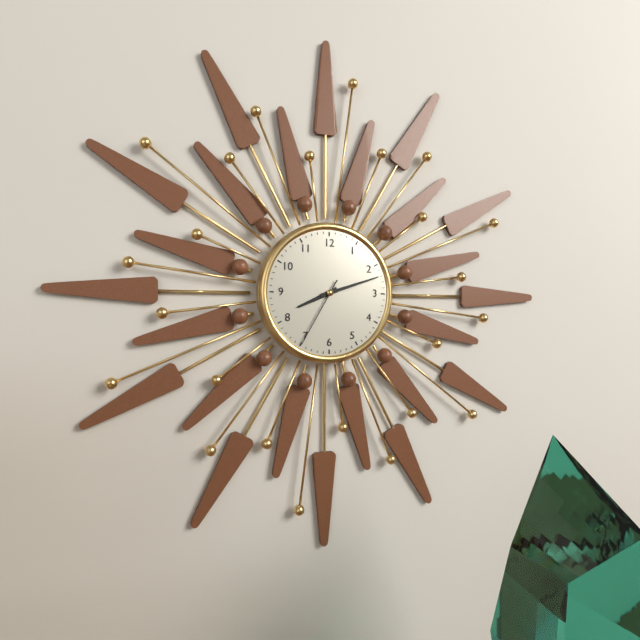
8:12:35
